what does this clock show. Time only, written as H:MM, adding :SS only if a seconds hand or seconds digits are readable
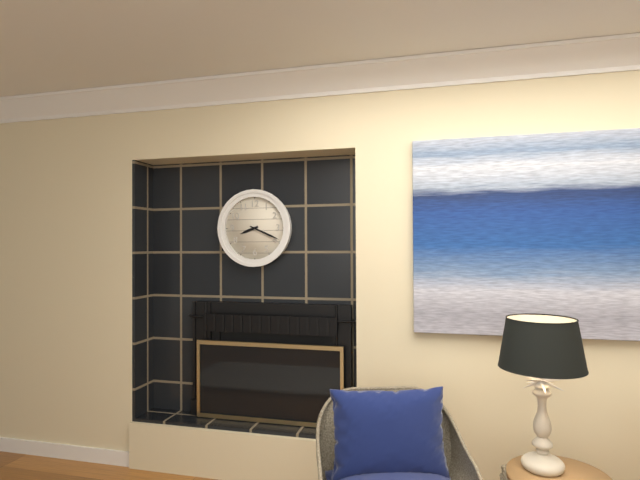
8:19
